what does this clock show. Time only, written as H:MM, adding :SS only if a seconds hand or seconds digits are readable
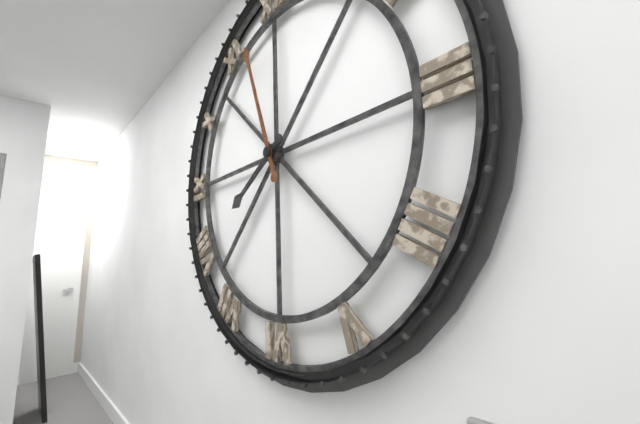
7:57
